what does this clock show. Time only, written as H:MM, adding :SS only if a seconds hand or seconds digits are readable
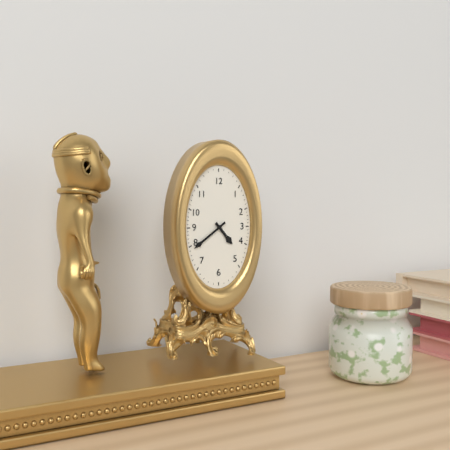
4:39
